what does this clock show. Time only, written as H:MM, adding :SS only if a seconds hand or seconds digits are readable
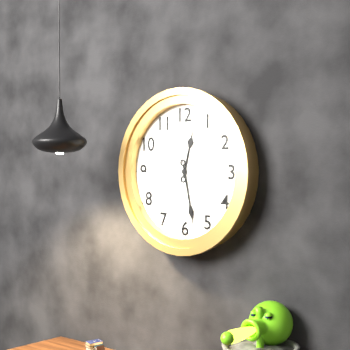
12:28
